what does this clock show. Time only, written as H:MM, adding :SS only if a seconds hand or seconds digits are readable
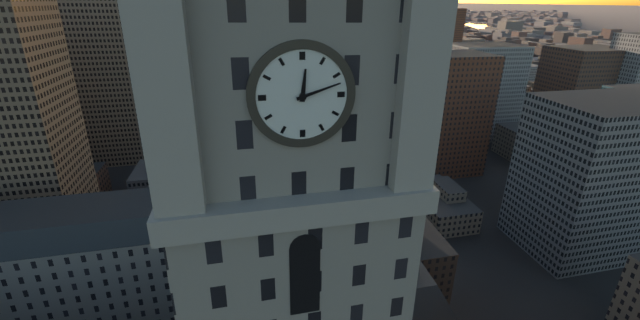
12:12
